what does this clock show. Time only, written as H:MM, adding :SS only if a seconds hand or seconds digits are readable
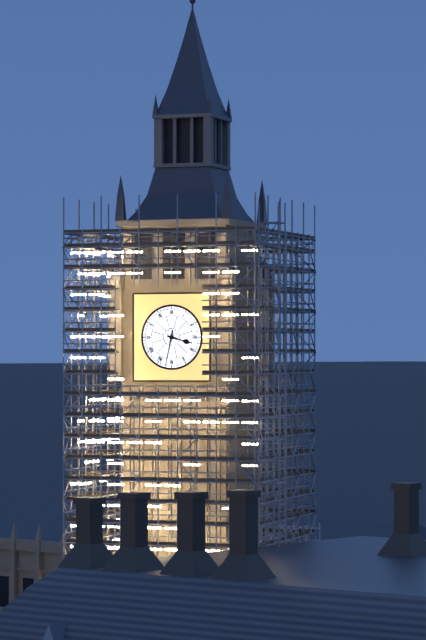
3:32
